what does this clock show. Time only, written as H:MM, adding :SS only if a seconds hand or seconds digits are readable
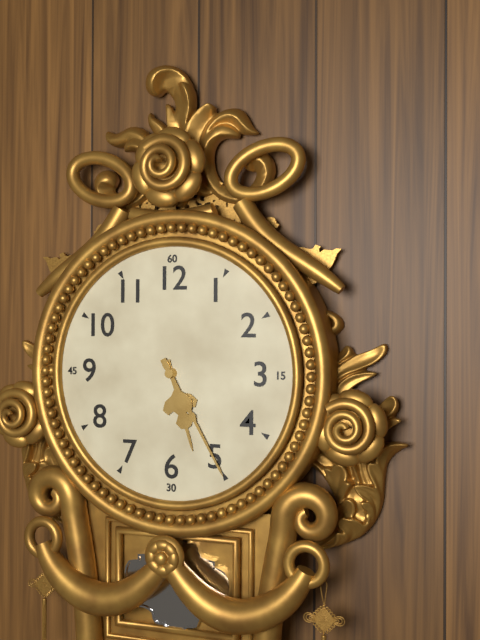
5:25
